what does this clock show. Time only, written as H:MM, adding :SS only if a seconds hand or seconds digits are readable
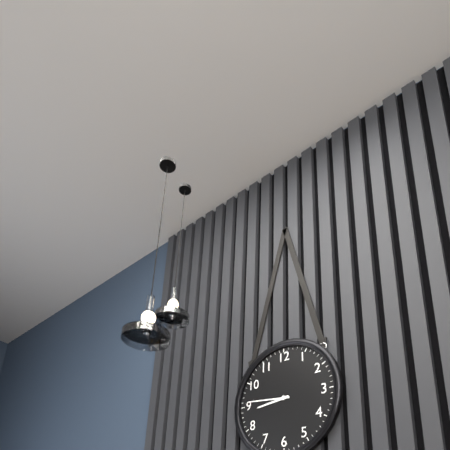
8:46
